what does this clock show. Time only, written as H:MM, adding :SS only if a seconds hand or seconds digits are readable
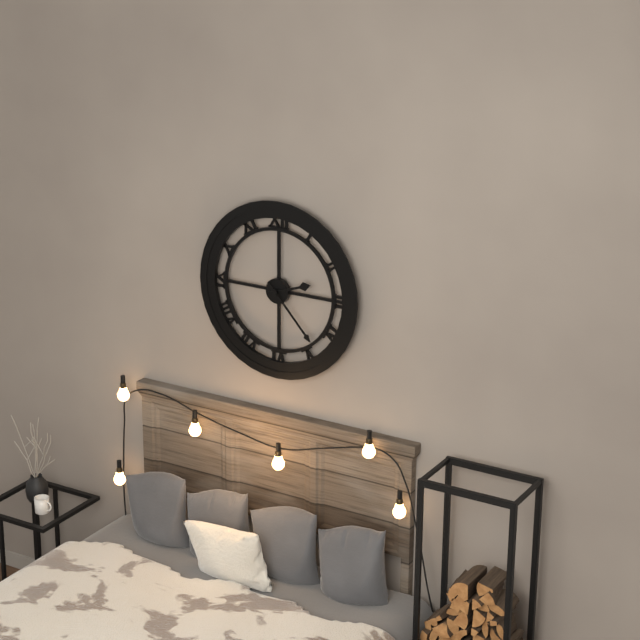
2:23
